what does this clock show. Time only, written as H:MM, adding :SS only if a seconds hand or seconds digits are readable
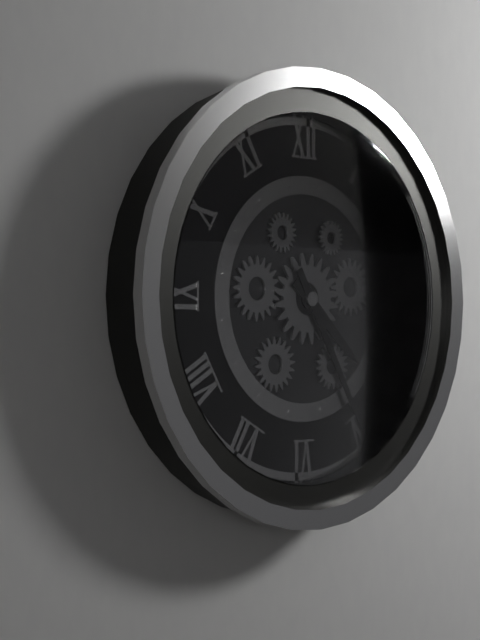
4:25
